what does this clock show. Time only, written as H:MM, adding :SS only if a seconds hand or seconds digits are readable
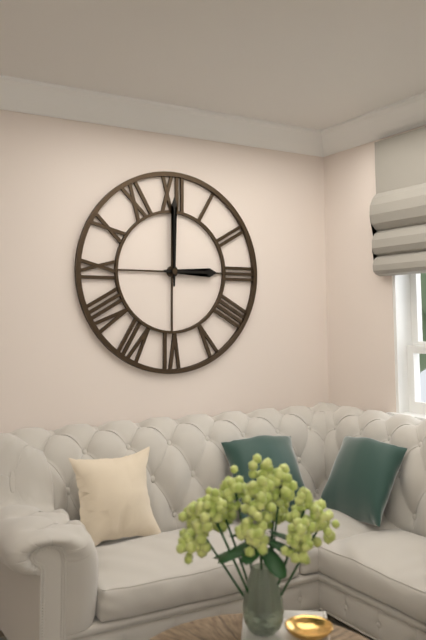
3:00
